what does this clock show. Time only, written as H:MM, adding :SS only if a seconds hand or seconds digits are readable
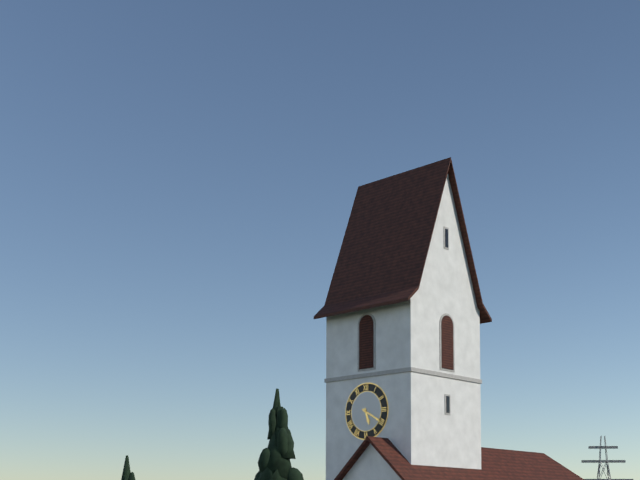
5:20
